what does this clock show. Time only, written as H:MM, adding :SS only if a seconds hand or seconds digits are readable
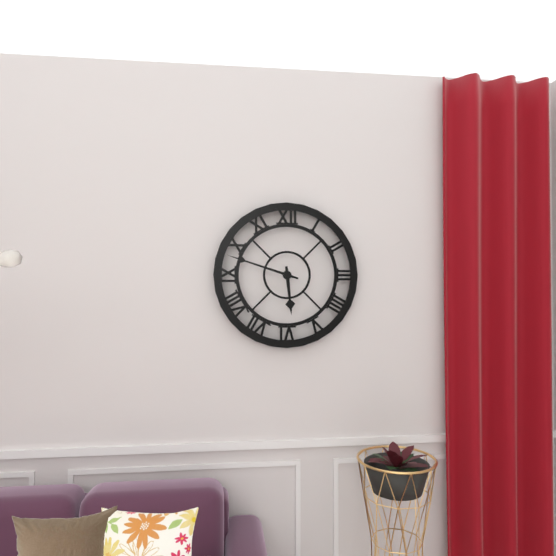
5:48
